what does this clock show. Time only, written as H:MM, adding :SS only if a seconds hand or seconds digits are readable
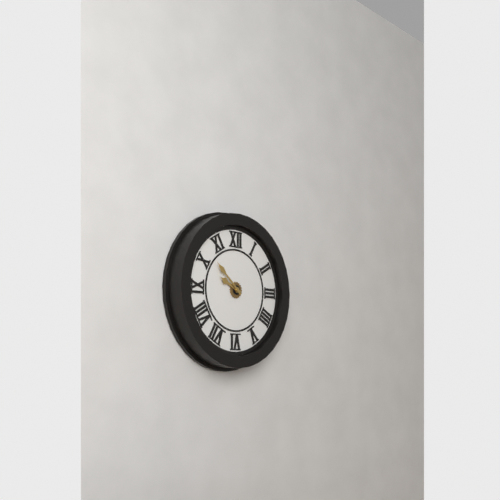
9:52
